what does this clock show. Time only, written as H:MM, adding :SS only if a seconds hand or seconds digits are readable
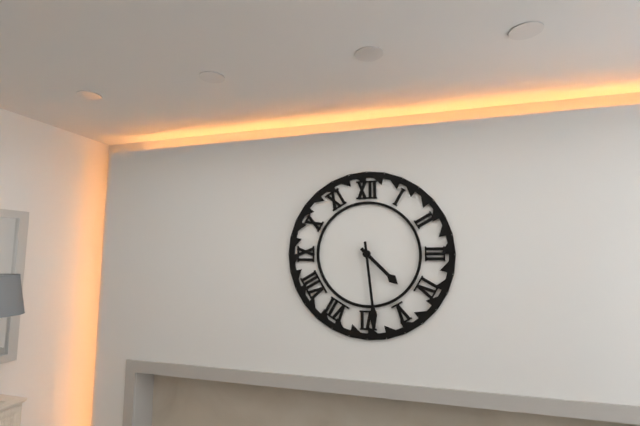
4:29
